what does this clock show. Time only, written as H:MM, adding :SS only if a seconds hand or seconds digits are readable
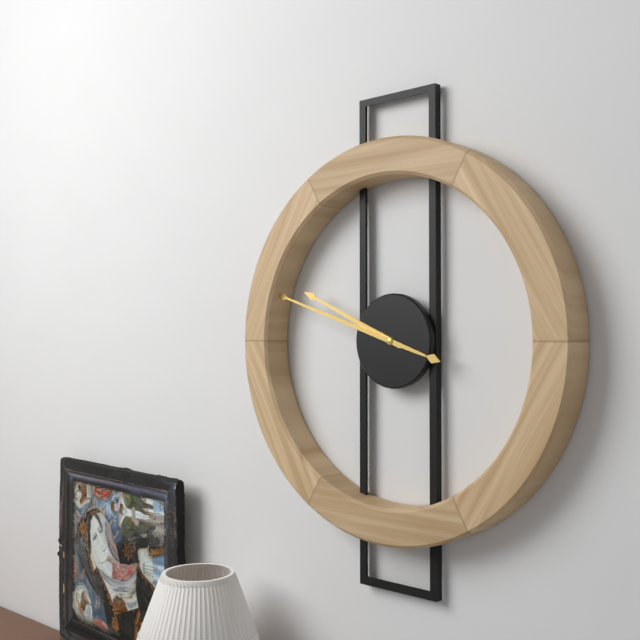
9:48
